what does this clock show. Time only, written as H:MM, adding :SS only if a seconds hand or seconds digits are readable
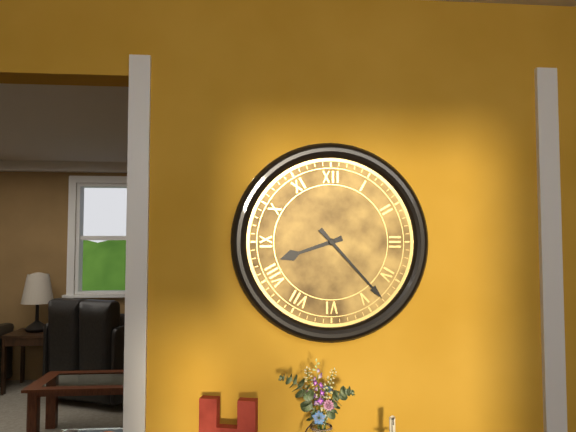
8:23
